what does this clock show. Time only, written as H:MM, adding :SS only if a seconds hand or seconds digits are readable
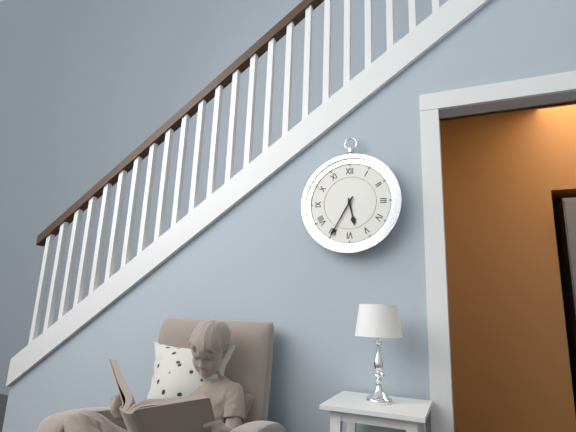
5:35
